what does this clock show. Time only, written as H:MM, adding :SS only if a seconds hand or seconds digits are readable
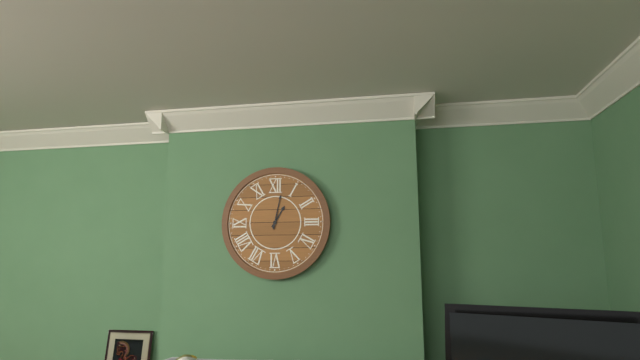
1:02
